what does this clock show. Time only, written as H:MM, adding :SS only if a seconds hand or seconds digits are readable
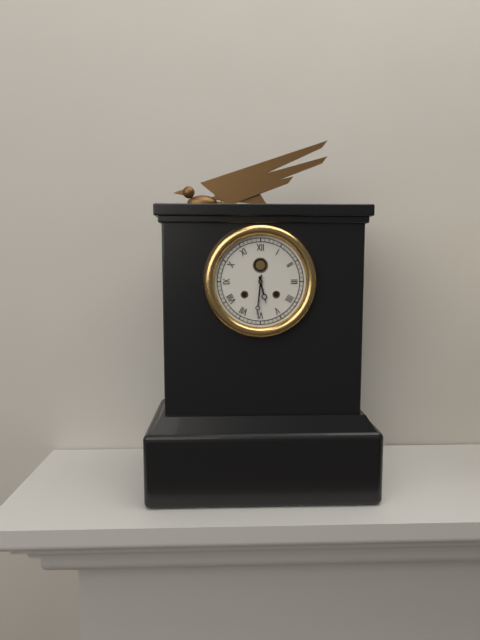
5:31
